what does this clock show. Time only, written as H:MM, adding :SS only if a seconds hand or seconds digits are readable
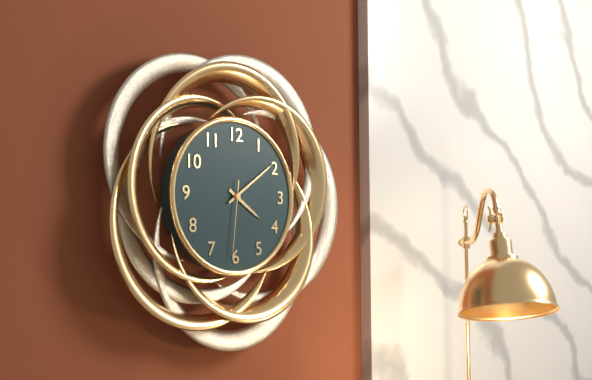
4:09:31
